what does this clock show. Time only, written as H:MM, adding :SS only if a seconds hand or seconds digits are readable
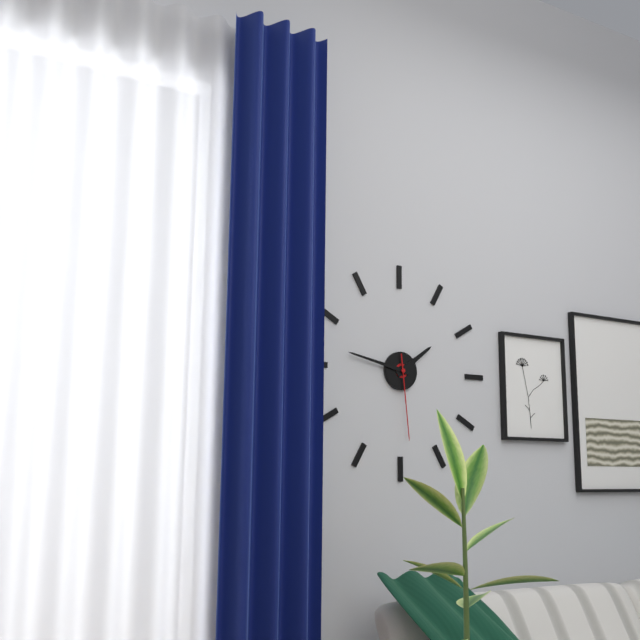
1:47:29
